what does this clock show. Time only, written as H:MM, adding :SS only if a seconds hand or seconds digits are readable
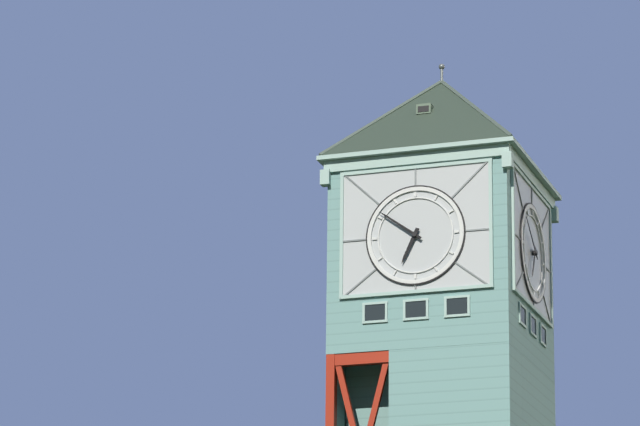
6:51
